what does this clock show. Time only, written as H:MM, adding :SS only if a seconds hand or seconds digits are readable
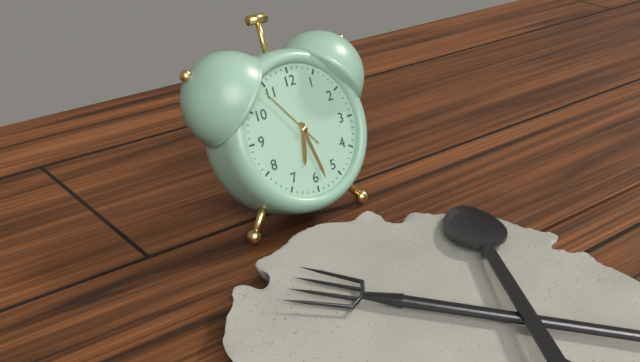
6:28:54
